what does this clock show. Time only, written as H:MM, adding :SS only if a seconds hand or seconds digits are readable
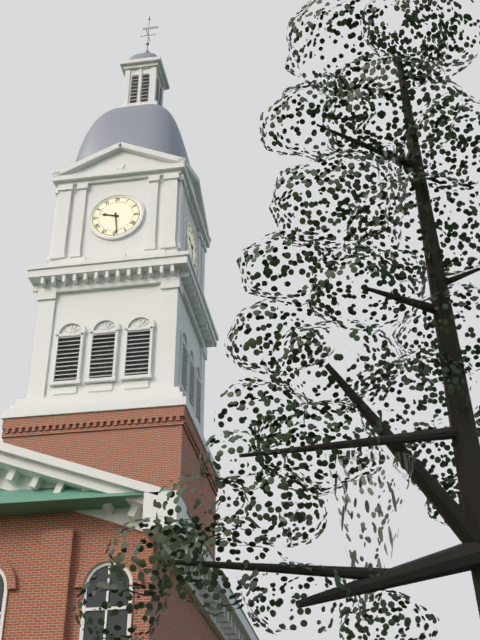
9:29
